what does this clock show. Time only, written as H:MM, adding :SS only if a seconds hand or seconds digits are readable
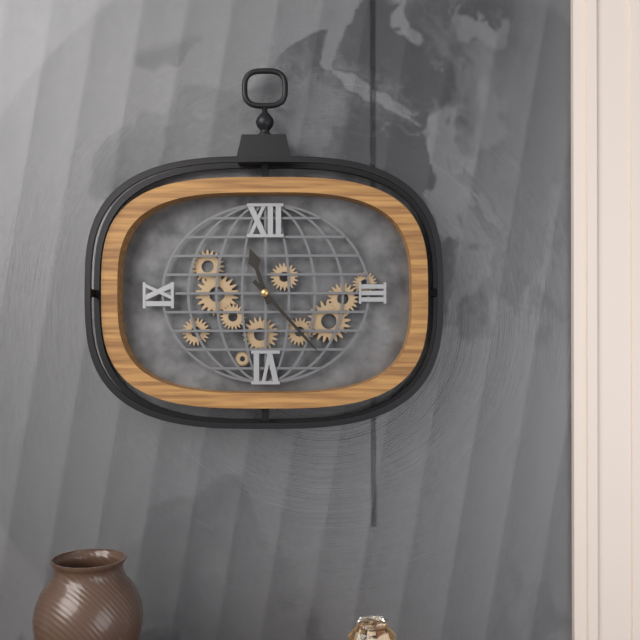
11:23
